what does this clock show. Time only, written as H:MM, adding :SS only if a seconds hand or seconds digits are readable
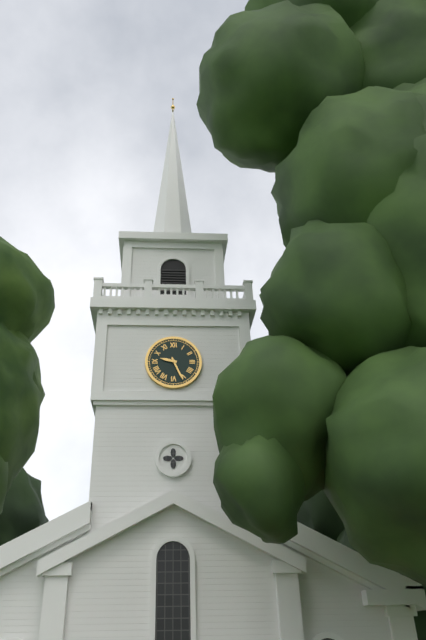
9:26
